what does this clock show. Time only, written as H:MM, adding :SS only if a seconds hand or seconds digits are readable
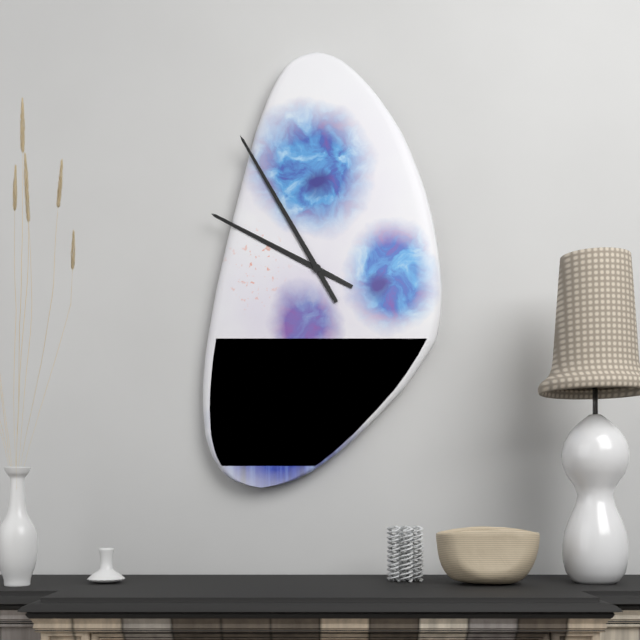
9:55
